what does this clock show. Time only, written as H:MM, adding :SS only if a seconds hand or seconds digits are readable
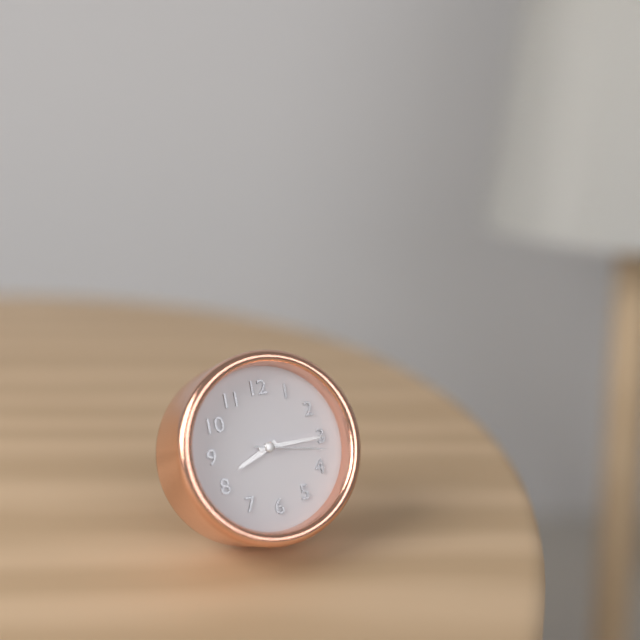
8:15:17
